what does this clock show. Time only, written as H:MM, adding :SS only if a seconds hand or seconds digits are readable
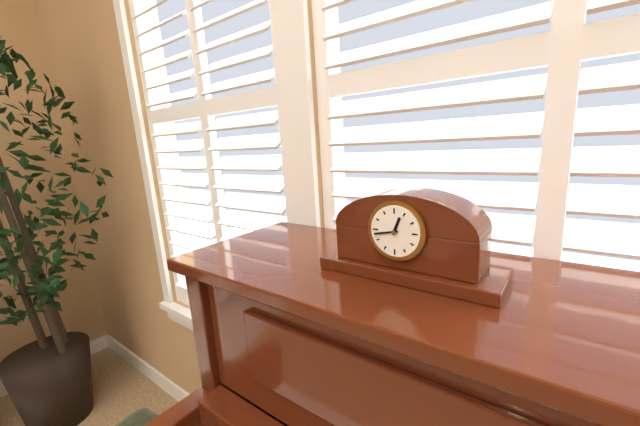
12:43
